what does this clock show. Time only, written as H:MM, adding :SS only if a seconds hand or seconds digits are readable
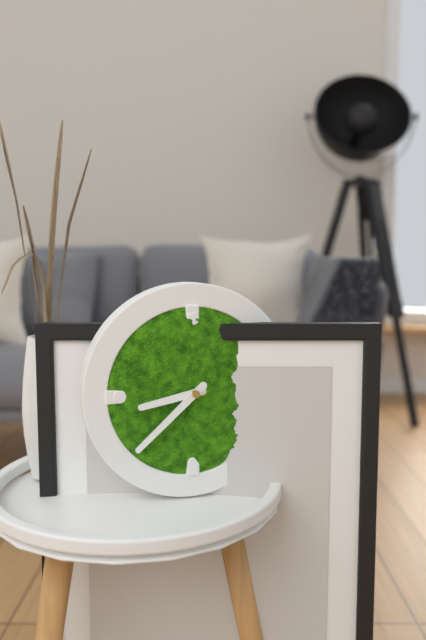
8:38
